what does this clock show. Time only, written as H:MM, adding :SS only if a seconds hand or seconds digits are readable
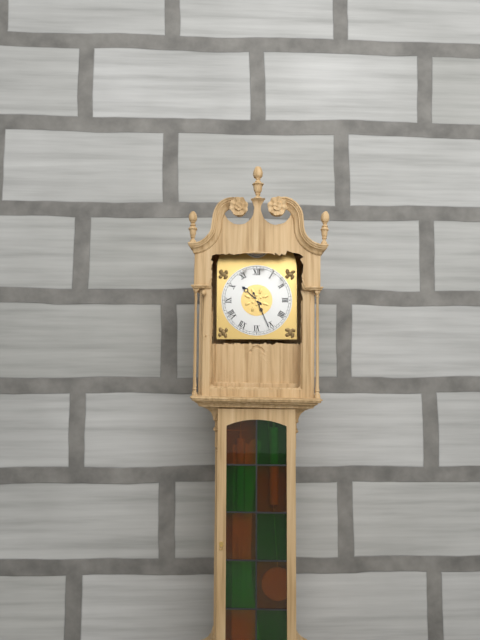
10:26
